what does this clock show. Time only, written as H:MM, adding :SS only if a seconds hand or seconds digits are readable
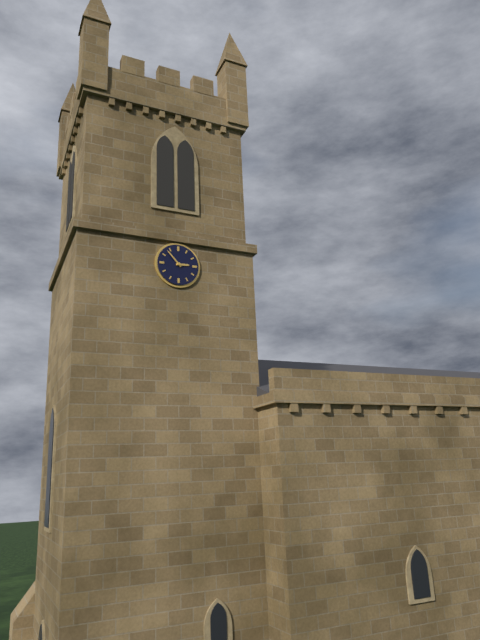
2:53
